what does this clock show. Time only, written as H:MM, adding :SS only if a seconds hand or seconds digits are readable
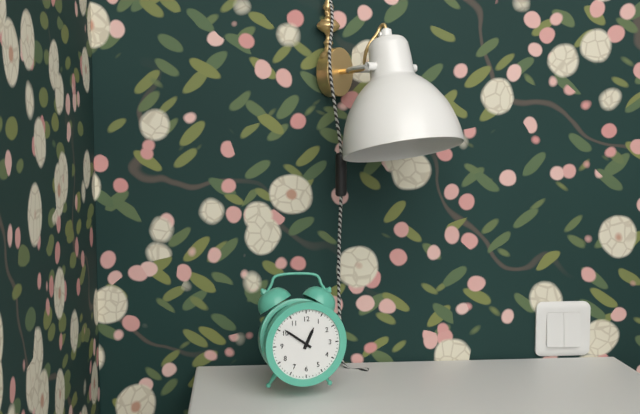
12:51
